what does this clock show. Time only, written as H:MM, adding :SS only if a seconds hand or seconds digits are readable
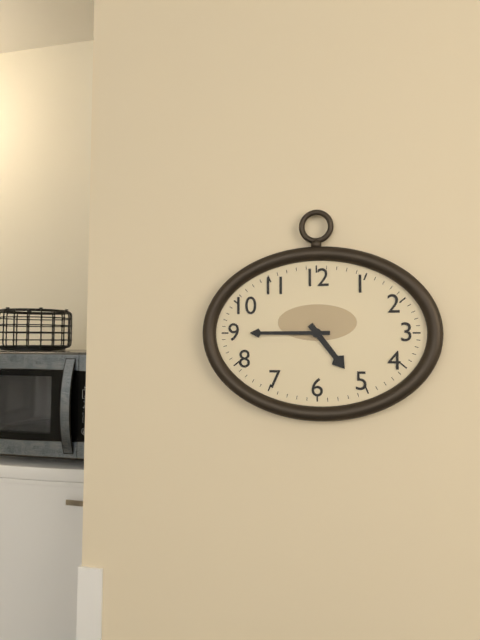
4:45
